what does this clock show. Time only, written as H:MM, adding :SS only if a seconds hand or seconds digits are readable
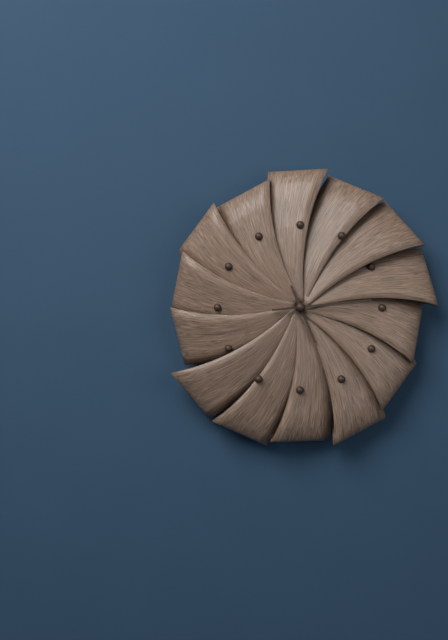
5:14
